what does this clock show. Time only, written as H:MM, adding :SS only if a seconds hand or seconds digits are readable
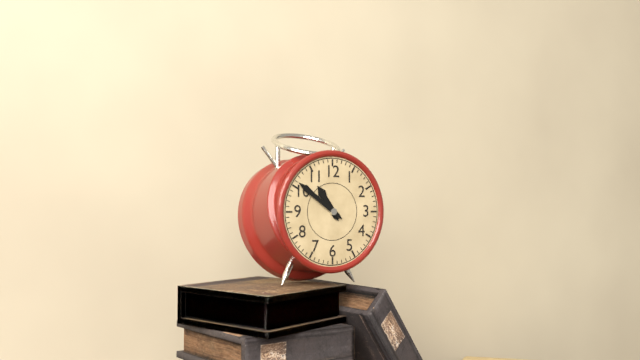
10:51
